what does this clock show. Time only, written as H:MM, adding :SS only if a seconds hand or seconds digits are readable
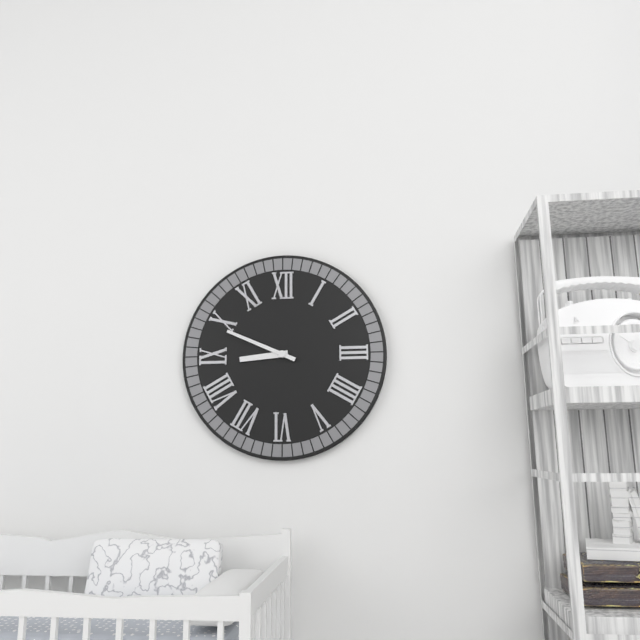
8:49
